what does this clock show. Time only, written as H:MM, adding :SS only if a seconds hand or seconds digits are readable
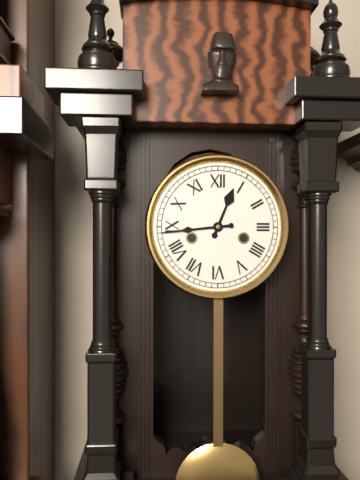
12:44
